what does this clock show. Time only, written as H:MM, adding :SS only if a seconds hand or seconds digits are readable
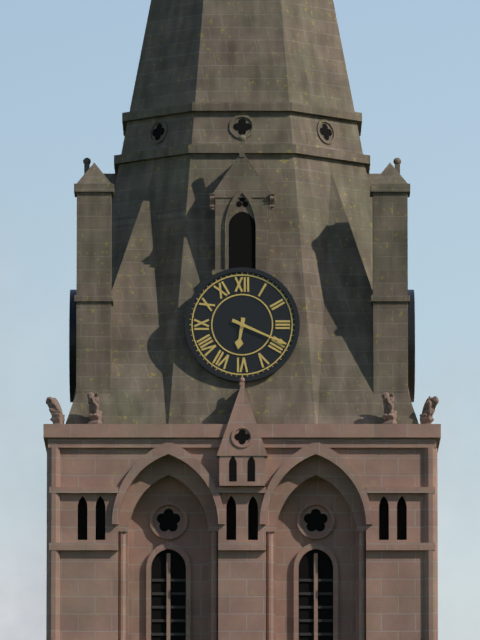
6:19
